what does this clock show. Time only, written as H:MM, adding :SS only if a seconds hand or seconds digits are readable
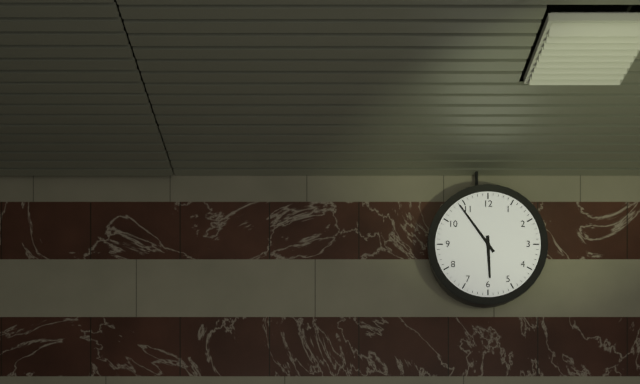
5:54
